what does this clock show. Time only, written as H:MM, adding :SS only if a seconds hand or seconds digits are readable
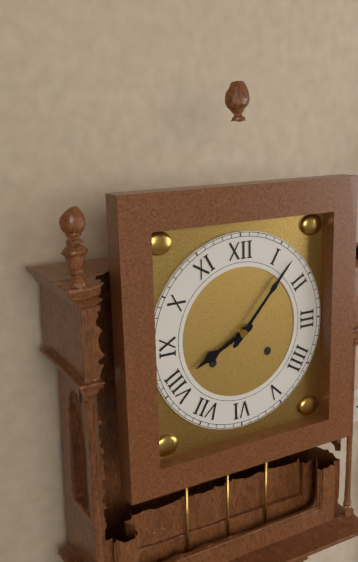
8:07
